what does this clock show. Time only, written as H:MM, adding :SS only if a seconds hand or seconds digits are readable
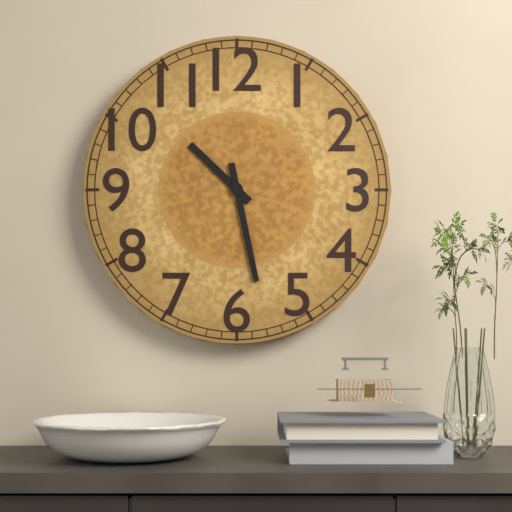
10:28
